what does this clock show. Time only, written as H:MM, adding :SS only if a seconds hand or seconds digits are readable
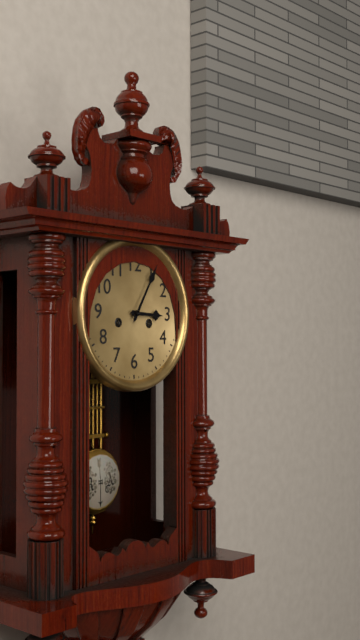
3:05
